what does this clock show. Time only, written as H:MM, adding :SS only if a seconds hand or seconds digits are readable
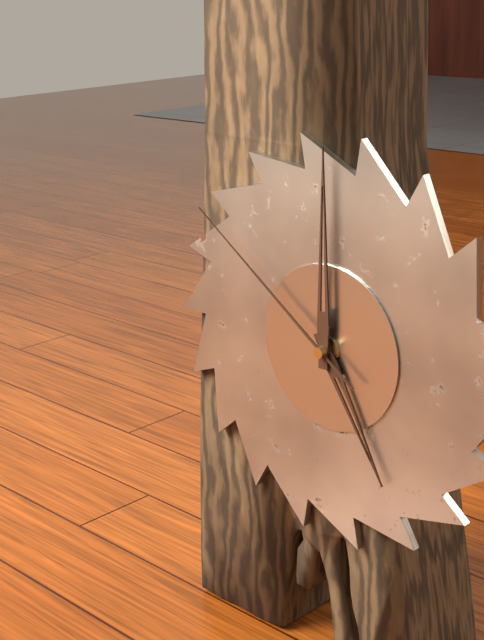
5:00:51
